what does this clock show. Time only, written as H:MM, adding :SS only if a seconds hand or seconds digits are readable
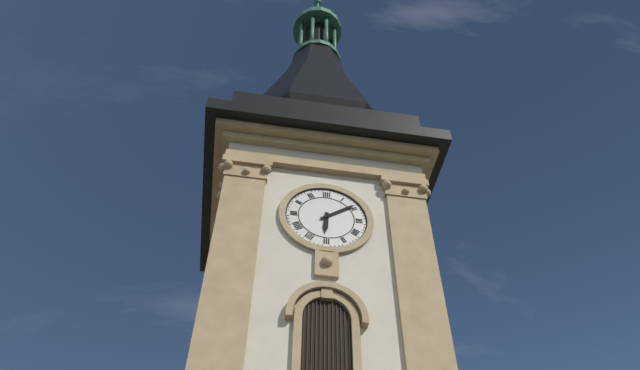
6:09
